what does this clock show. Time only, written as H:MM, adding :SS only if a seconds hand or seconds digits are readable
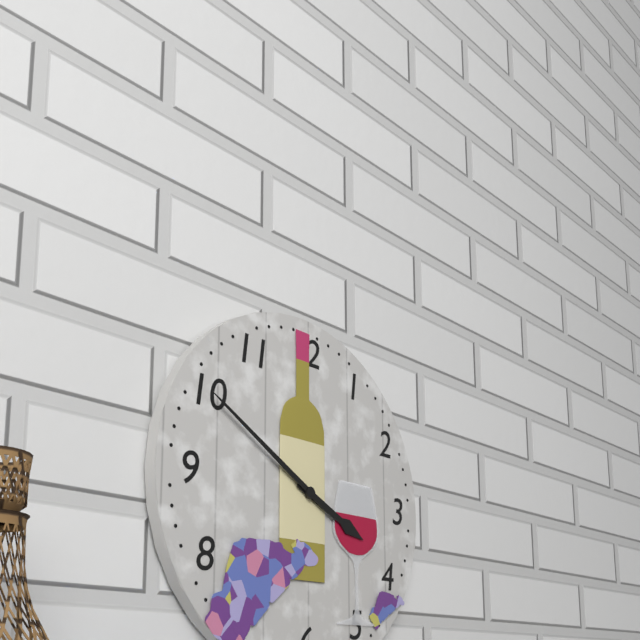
3:50
